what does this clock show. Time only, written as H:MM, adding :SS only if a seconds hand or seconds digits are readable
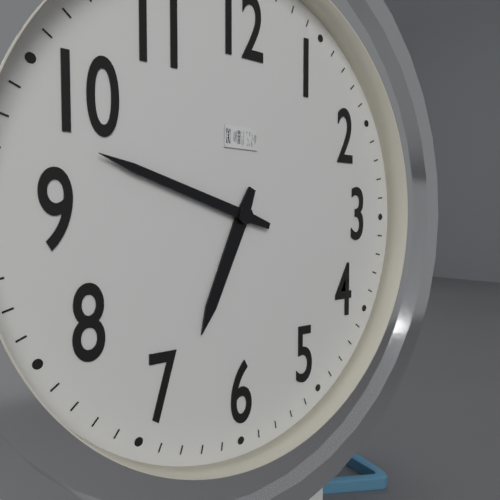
6:48
